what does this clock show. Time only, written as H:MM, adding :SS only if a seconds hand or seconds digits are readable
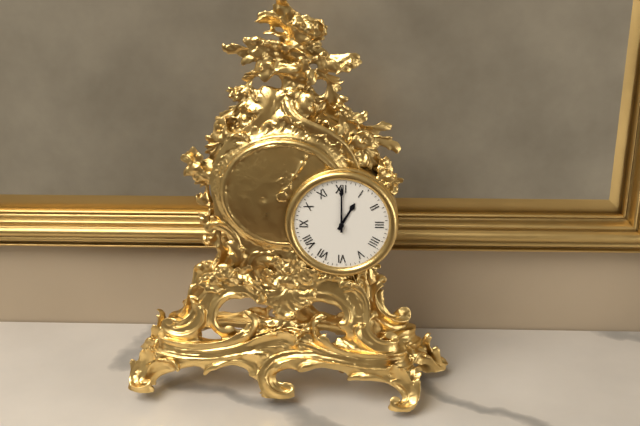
1:00
